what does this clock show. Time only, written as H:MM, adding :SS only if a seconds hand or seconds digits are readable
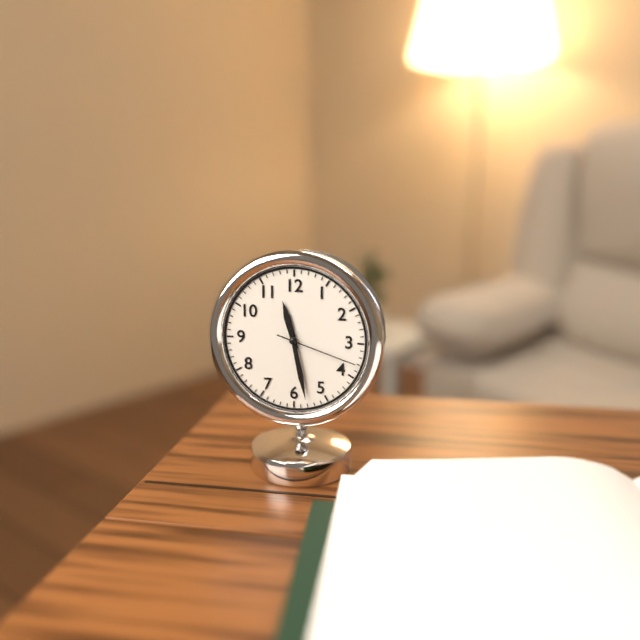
11:28:18
